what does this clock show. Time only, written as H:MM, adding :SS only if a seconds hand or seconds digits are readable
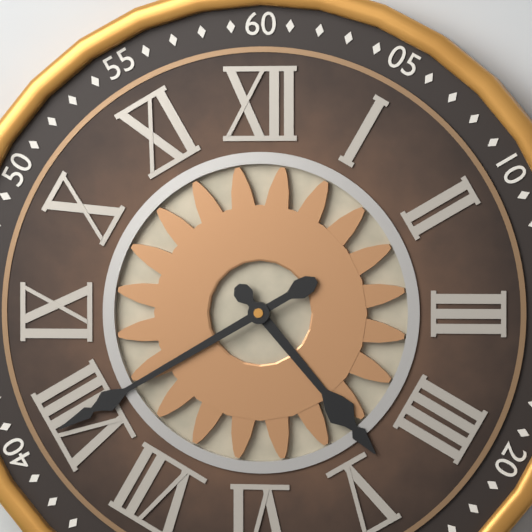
4:40
